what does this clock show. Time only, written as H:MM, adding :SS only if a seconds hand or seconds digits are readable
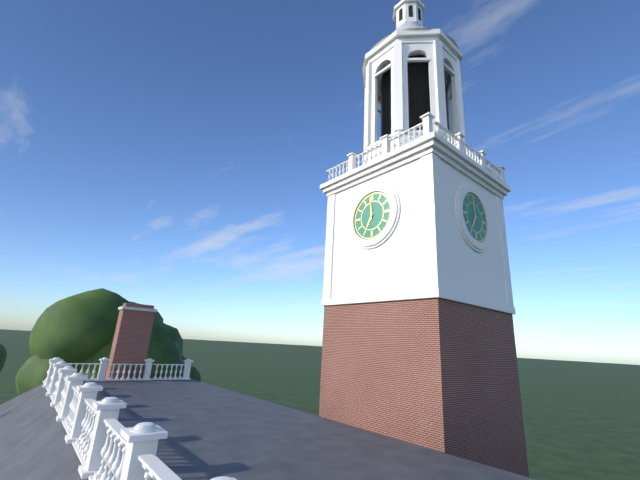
6:59
